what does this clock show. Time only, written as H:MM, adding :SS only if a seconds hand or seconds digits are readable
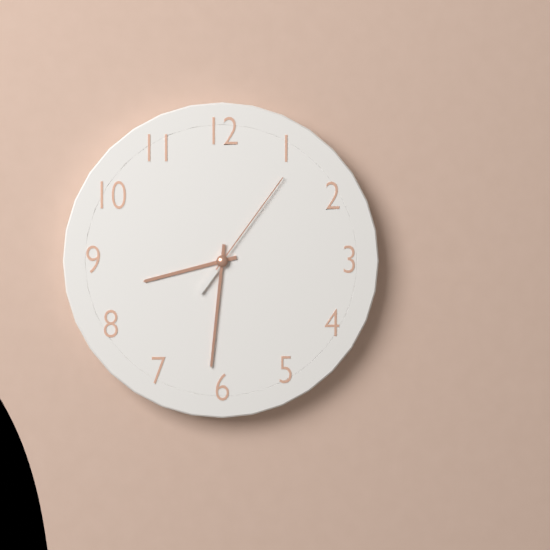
8:31:06
